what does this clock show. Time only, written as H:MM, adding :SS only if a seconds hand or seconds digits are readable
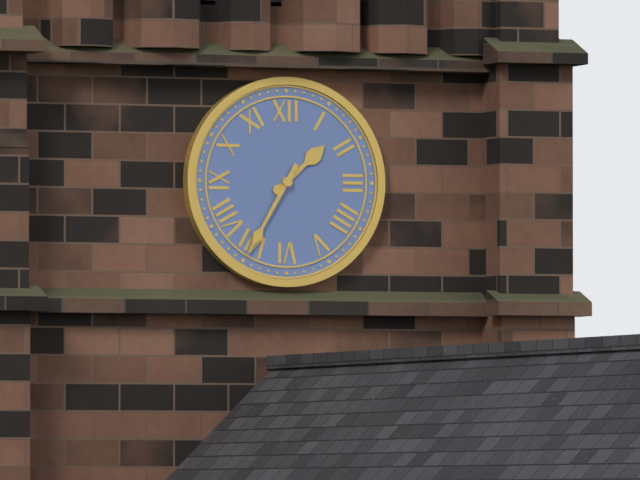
1:35
